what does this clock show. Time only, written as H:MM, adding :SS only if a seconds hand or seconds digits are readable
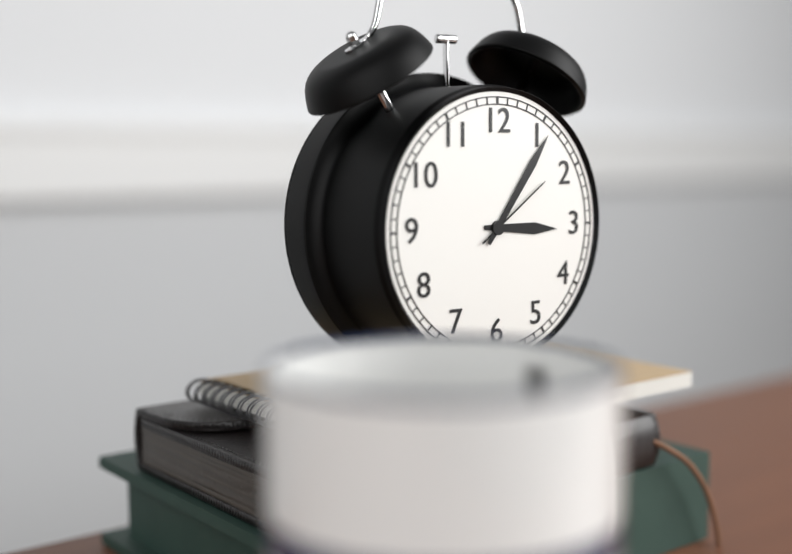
3:06:09
